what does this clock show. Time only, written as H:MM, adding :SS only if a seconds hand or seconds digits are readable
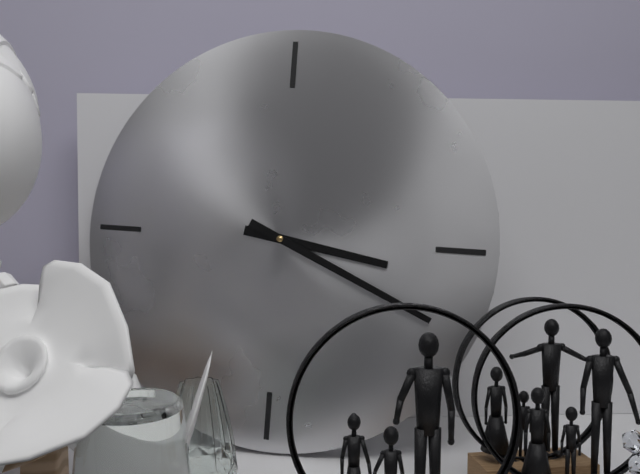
3:19
